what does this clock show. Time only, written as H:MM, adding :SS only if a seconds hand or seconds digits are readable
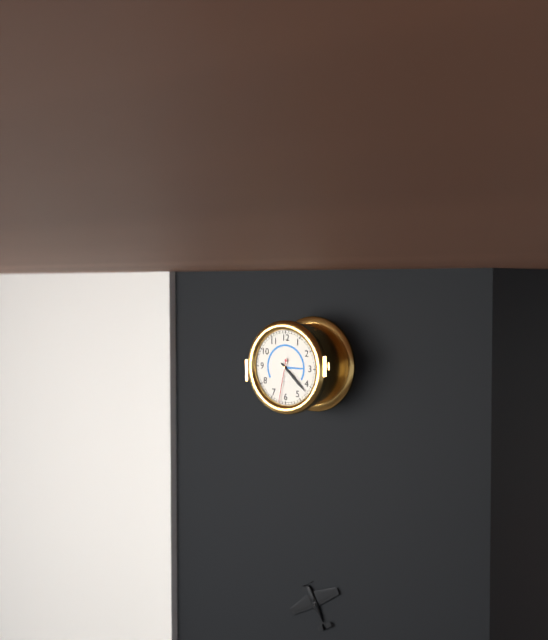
4:22
